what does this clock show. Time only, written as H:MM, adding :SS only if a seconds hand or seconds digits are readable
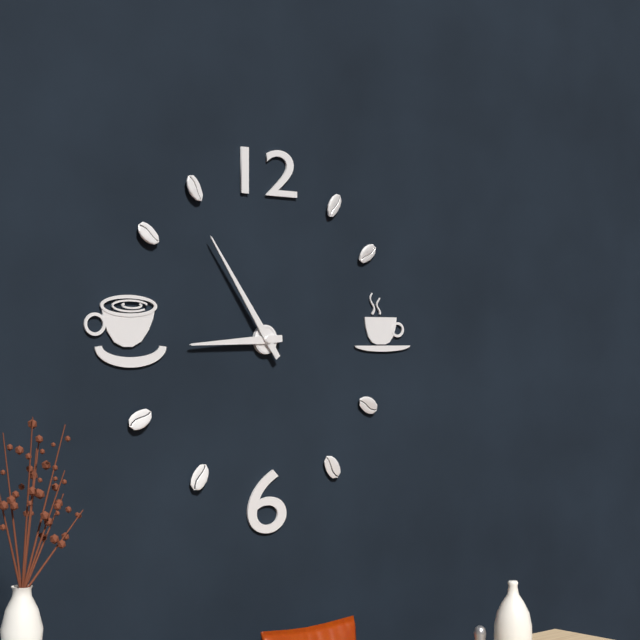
8:54
